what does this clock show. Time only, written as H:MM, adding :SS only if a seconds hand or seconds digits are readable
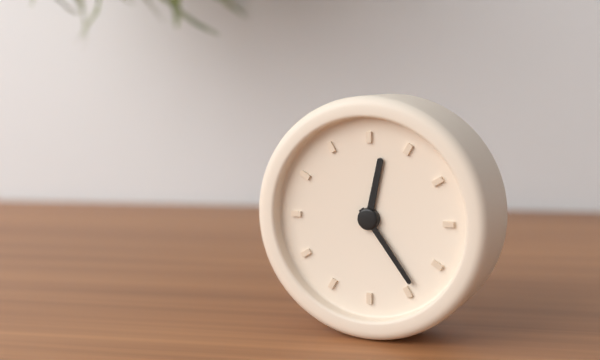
12:24
